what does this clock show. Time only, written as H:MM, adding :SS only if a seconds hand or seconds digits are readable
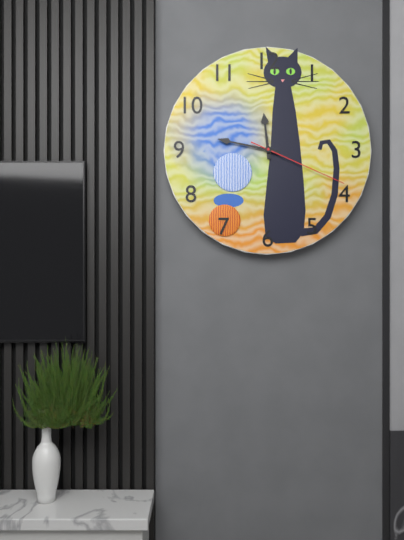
11:47:19
